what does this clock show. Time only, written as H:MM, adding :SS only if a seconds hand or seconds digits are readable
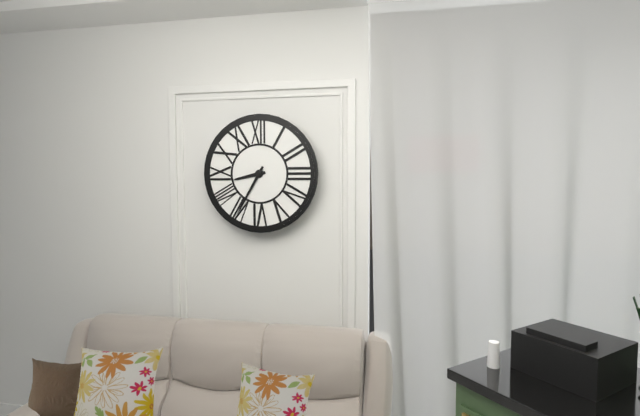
8:35
